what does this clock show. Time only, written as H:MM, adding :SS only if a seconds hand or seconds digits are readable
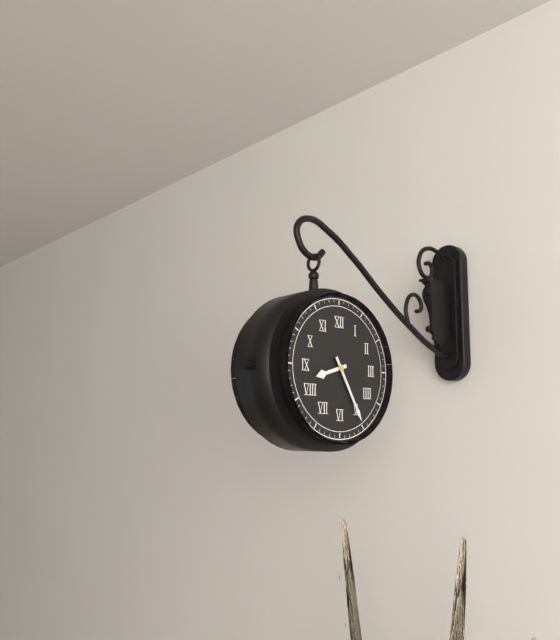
8:25
